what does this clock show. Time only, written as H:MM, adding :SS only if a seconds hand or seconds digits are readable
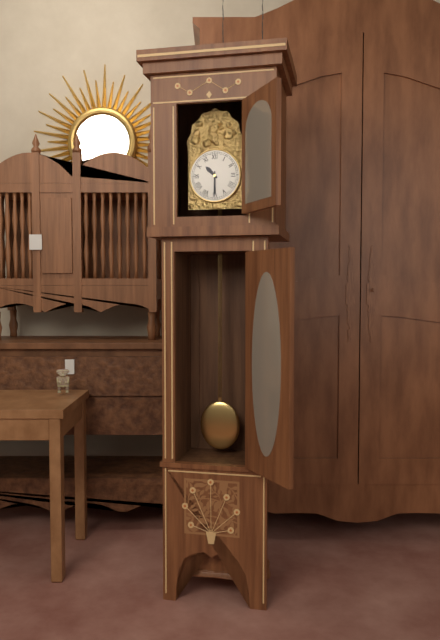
10:30
